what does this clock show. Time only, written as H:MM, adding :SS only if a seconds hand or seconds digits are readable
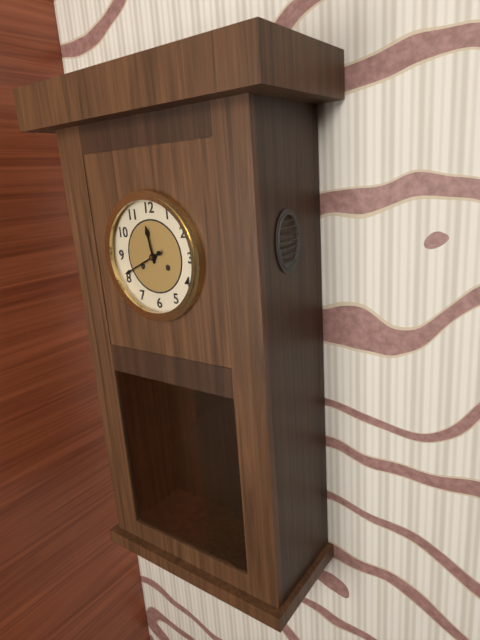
11:41
